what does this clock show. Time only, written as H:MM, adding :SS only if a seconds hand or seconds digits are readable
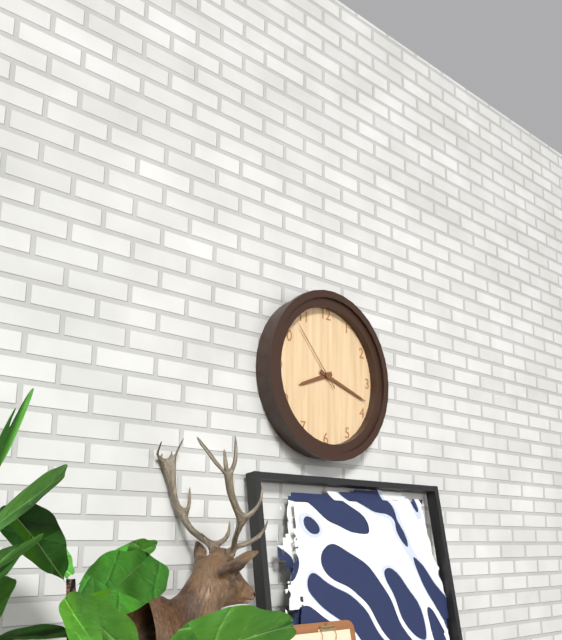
8:18:53
